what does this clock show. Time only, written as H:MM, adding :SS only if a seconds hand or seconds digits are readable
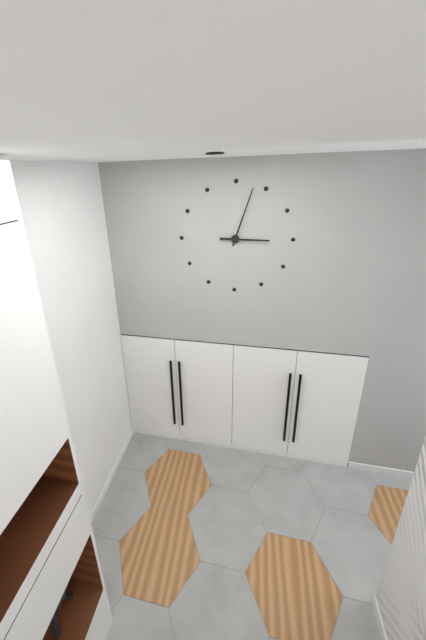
3:03
